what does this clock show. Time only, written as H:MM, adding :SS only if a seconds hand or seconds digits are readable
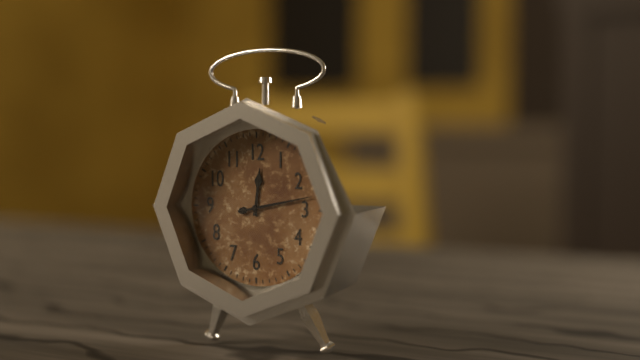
12:13
